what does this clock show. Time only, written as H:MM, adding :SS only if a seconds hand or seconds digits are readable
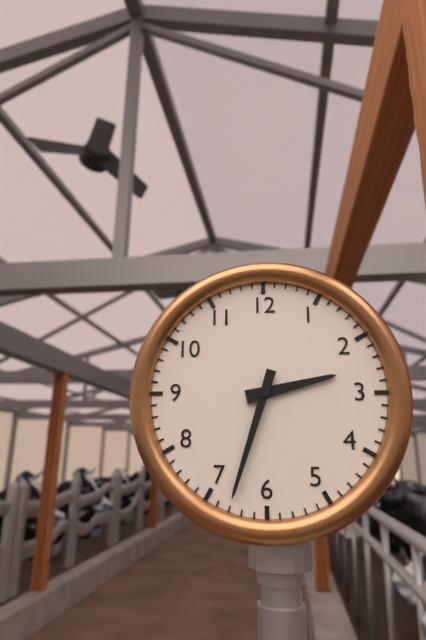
2:33
